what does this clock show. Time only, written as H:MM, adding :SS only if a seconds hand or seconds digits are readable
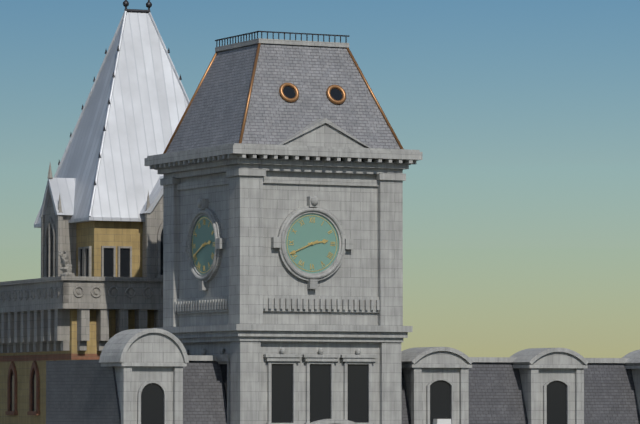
2:41
